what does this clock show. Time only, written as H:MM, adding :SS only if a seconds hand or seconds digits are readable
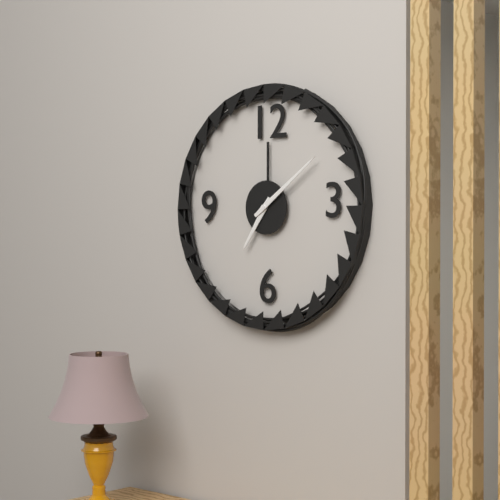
7:09
